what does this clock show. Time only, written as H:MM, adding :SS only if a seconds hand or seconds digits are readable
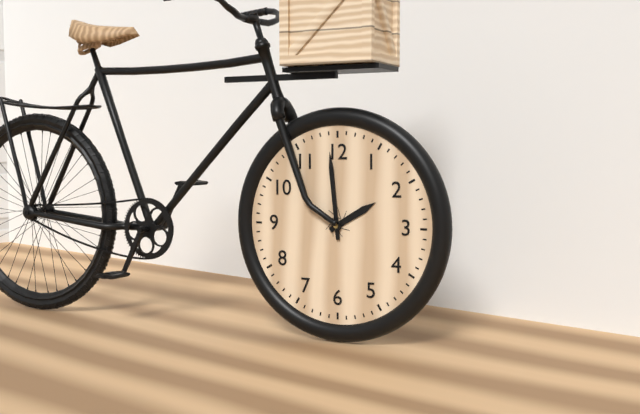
1:59
